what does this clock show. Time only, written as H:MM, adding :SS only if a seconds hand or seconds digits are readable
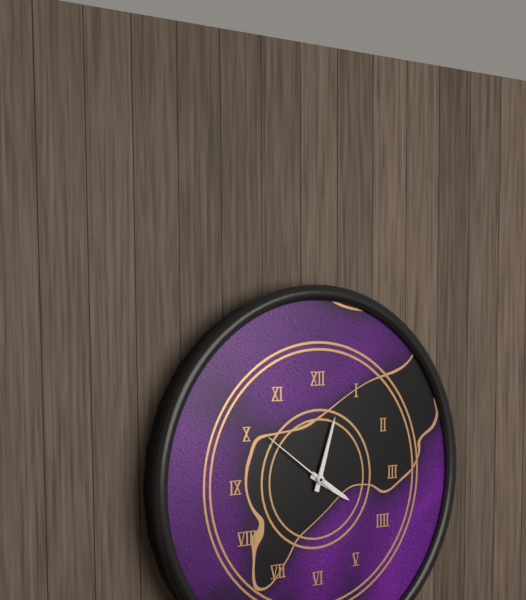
4:03:51
